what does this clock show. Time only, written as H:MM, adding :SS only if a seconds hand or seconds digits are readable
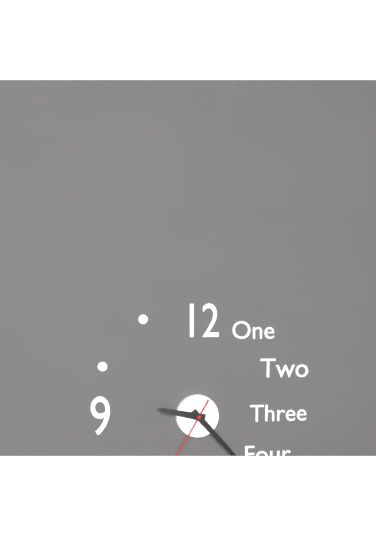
9:23:35
